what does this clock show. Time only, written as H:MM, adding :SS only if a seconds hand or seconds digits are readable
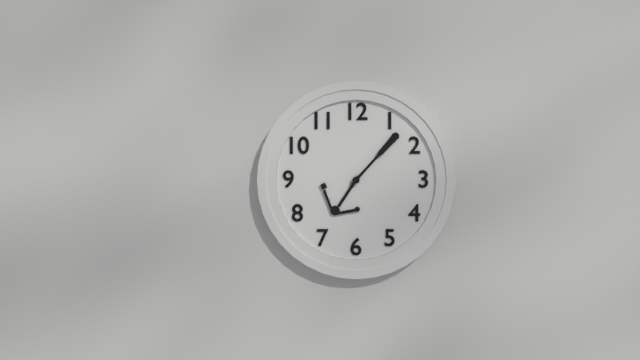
7:07
